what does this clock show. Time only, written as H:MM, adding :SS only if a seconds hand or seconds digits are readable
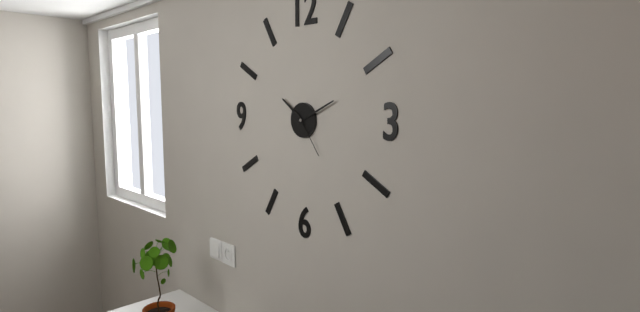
10:11
